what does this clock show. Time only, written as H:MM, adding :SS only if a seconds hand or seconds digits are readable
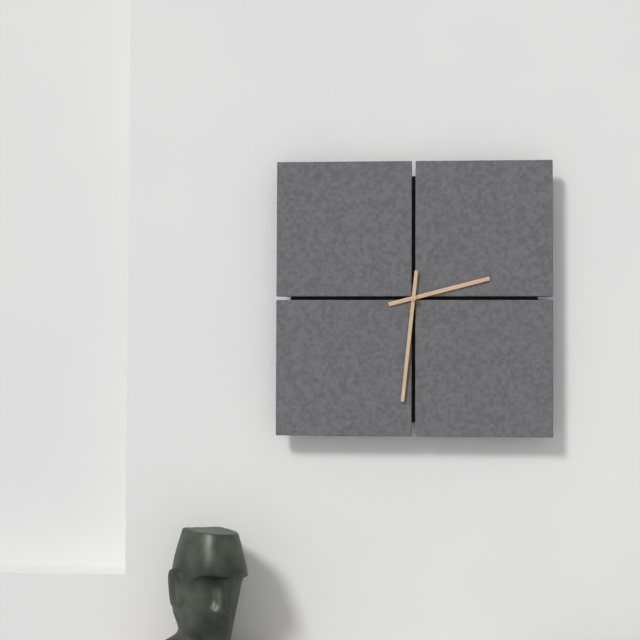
2:31
